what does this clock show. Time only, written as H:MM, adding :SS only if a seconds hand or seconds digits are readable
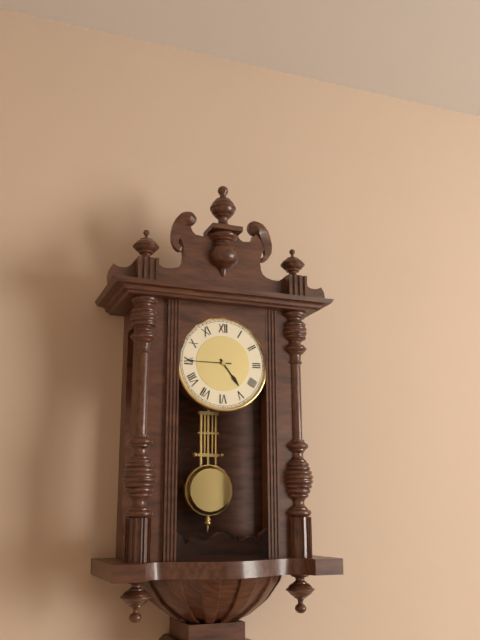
4:45
